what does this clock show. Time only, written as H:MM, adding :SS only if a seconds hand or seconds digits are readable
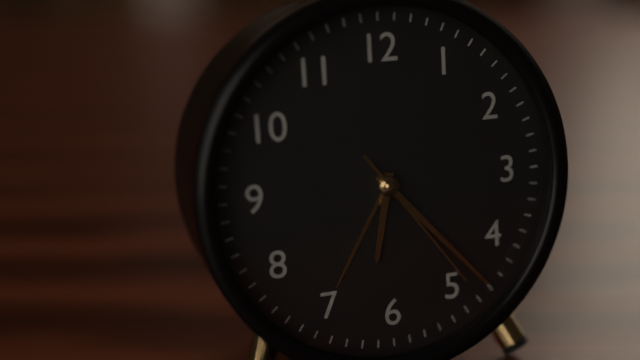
6:23:24
